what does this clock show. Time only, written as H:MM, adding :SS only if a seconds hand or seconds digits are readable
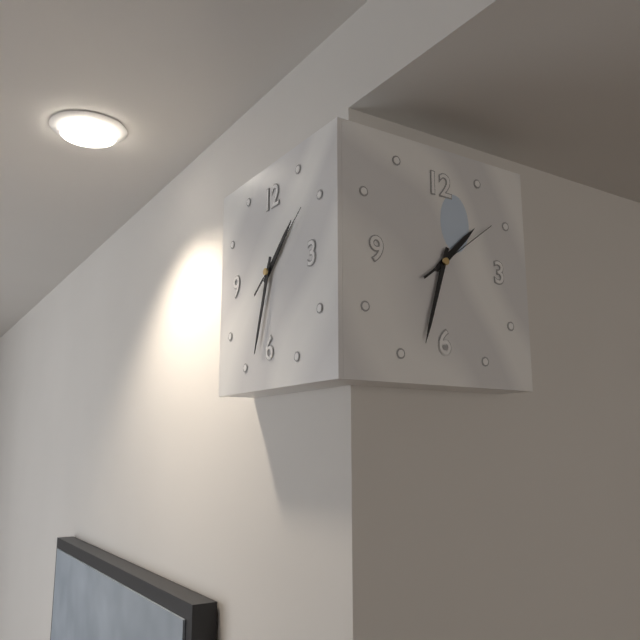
1:33:09
